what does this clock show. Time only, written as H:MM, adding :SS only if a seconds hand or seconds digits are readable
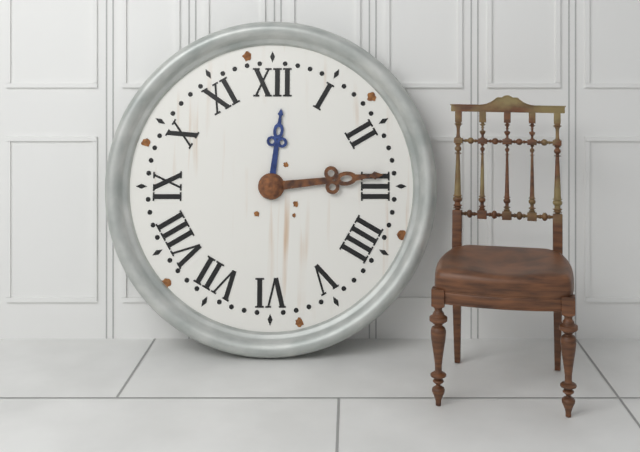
12:14
